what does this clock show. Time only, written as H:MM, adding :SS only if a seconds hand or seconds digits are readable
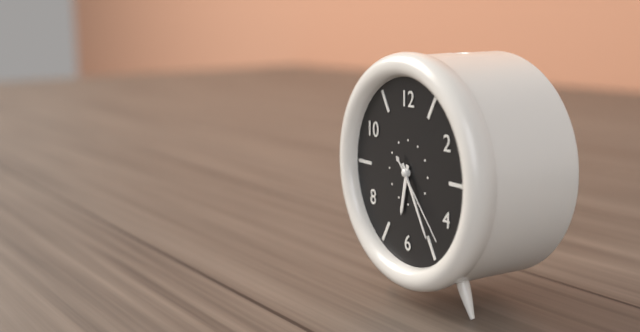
6:25:23
